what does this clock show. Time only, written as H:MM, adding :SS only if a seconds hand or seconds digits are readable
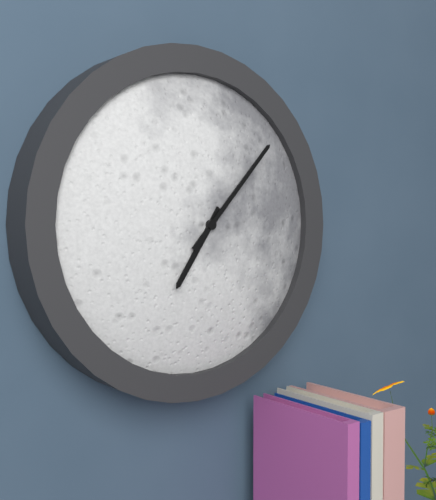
7:07
